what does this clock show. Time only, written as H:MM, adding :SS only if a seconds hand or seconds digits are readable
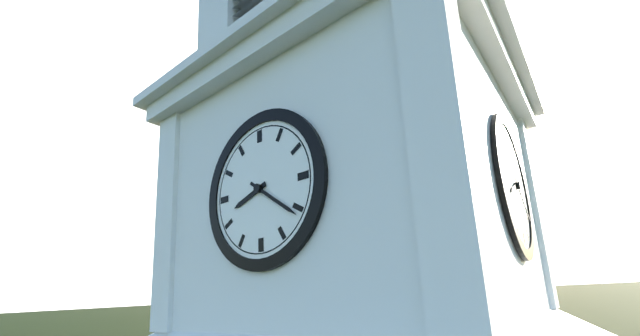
8:21
